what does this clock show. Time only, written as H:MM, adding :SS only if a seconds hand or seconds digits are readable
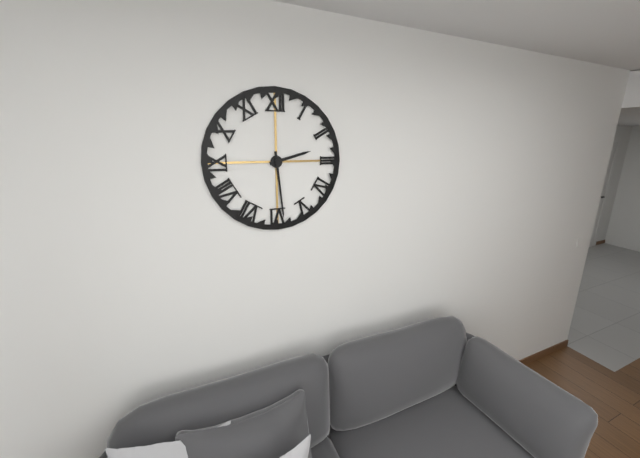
2:29
